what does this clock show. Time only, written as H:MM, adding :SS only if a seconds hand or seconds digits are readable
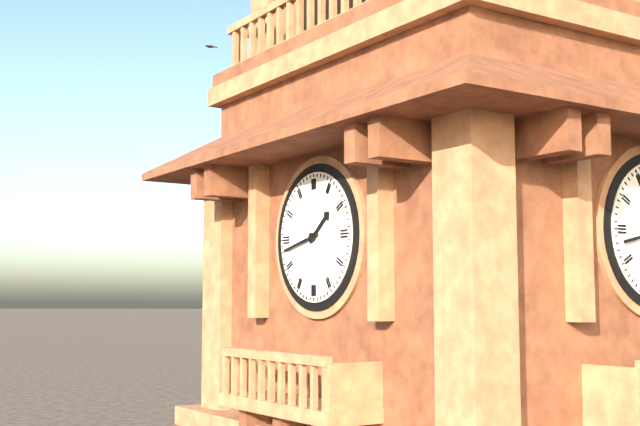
1:43
